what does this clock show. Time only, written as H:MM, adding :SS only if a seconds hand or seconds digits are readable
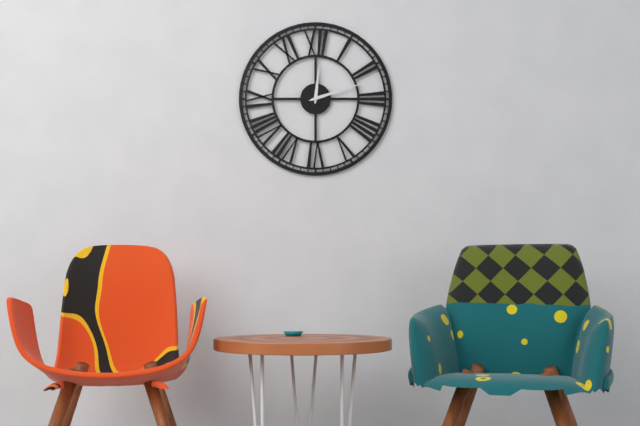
12:12
